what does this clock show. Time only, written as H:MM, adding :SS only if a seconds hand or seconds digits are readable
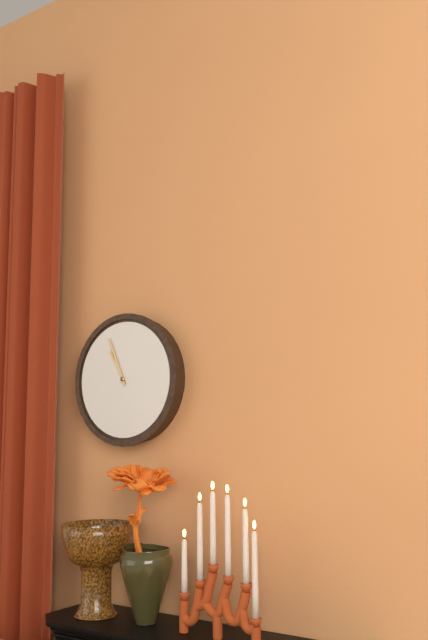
10:56
